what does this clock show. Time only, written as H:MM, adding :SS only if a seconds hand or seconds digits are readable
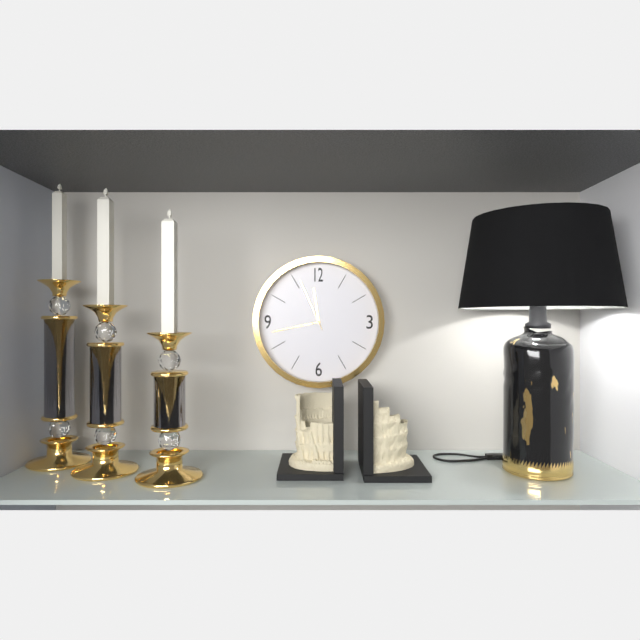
11:43:56
